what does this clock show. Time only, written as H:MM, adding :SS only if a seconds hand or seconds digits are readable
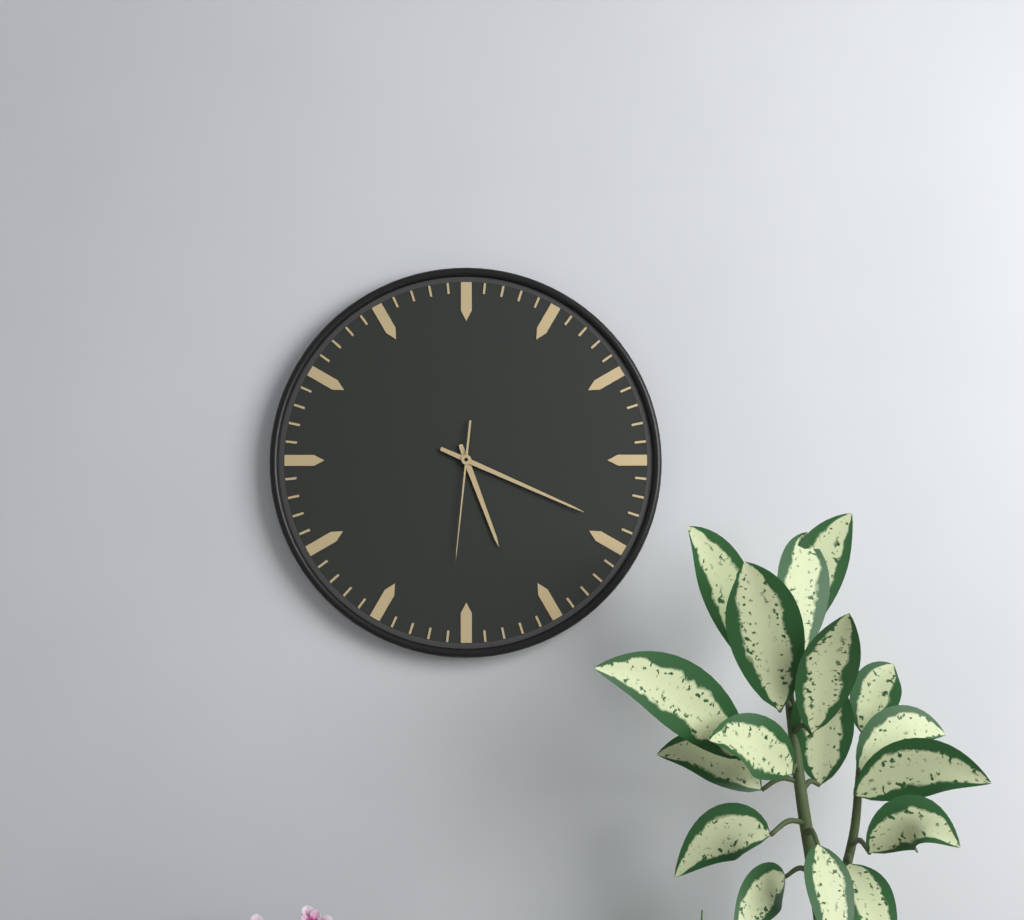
5:19:31
